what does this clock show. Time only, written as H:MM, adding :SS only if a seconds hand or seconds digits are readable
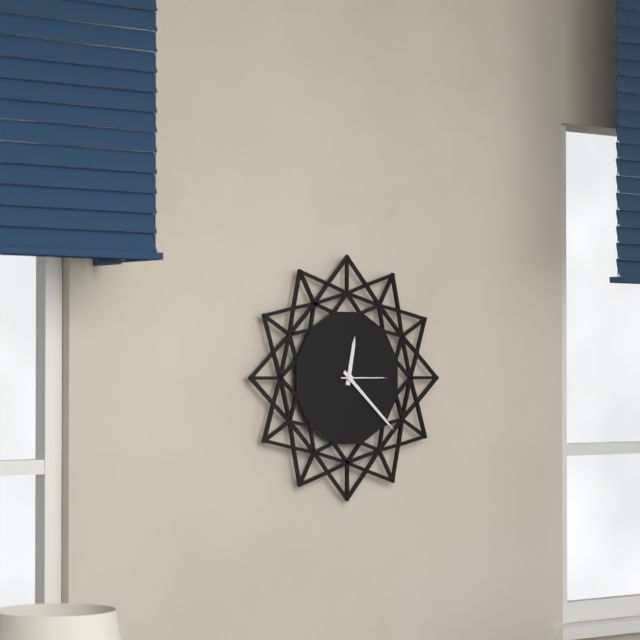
12:22:15
